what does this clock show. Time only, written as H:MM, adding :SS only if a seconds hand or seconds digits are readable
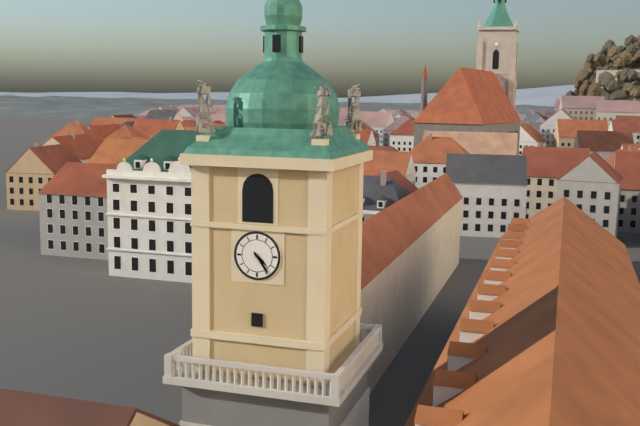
4:24
